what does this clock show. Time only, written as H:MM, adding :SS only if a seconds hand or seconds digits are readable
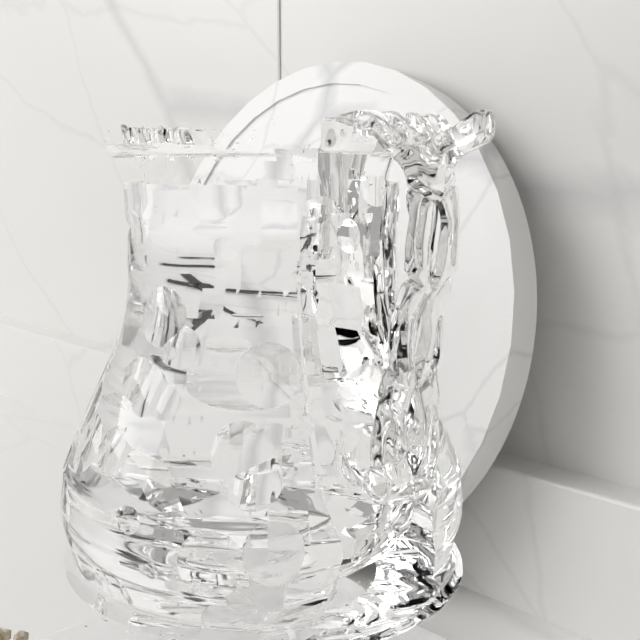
6:42:41
